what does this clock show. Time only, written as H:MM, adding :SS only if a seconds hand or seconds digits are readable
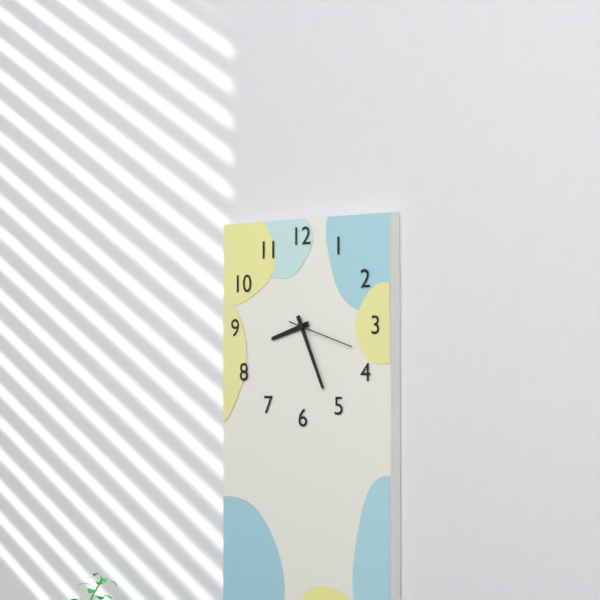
8:26:18
